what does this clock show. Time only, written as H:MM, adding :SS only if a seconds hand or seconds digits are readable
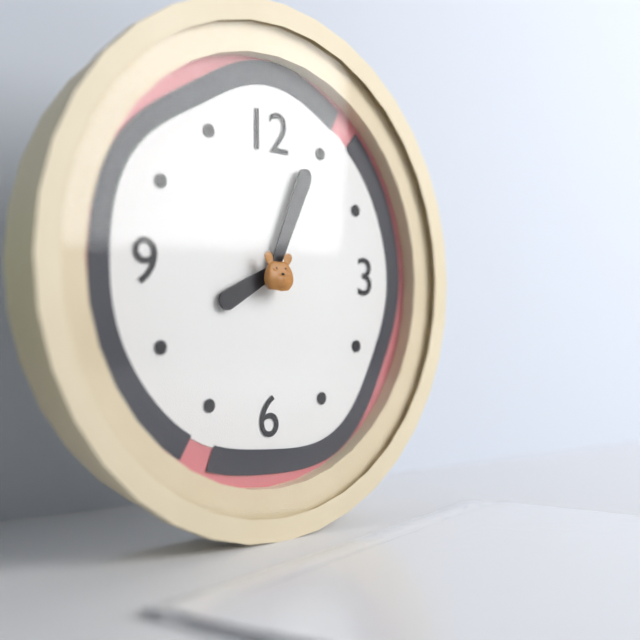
8:04
